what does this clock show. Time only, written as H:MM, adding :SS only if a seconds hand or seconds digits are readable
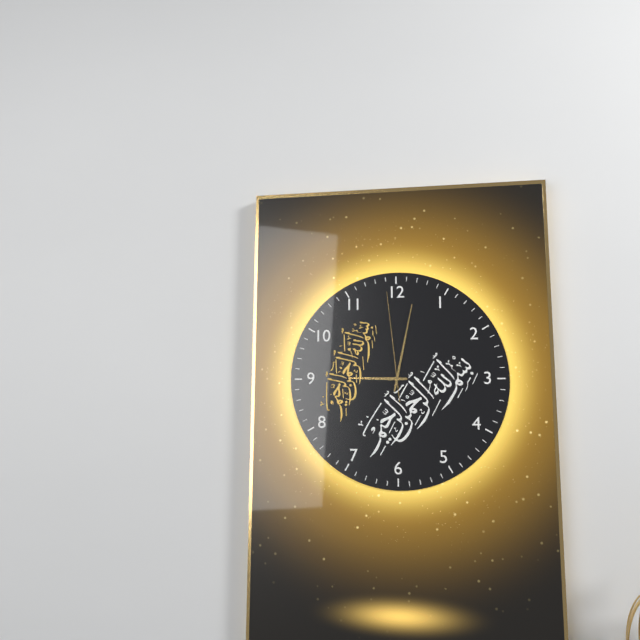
9:02:59
